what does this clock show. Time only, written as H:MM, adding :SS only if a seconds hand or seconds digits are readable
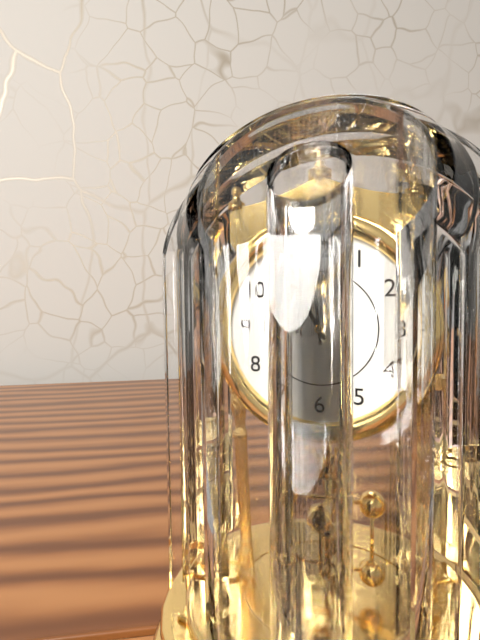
10:59
